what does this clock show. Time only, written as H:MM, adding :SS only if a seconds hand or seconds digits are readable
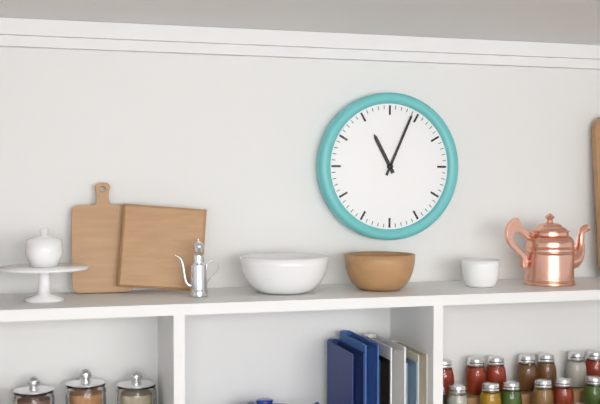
11:04
